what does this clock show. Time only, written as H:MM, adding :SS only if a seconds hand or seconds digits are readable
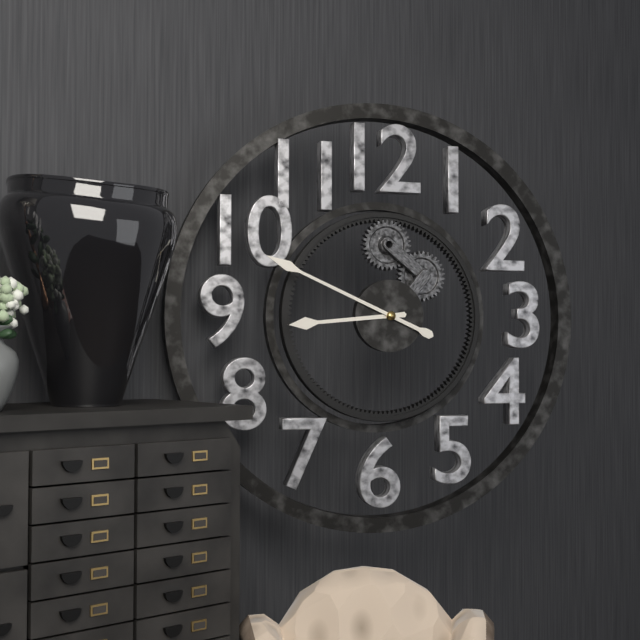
8:49
